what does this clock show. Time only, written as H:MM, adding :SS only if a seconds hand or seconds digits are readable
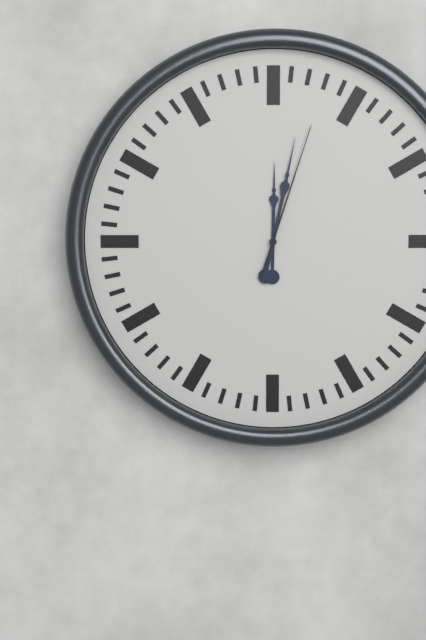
12:02:03
